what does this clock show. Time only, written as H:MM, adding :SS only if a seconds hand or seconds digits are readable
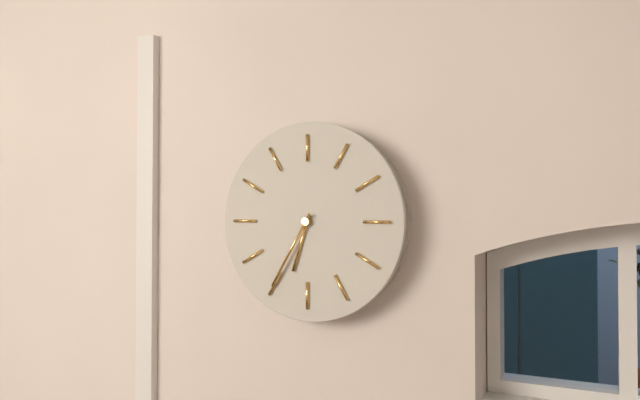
6:35
